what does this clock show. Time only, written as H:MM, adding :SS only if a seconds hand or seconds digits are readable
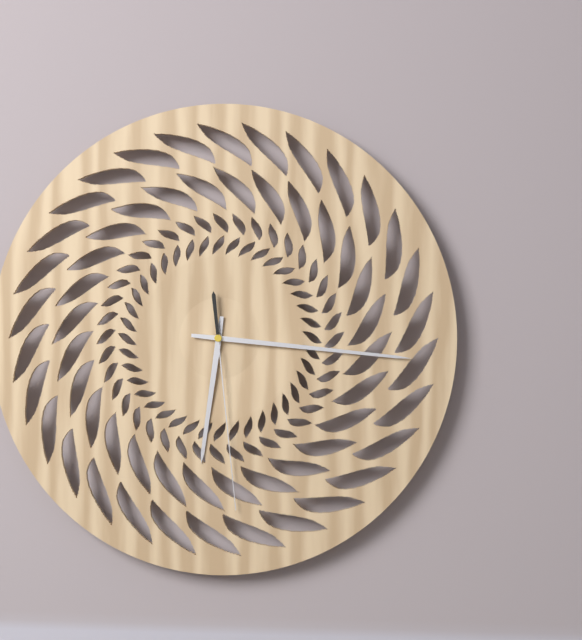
6:16:29
